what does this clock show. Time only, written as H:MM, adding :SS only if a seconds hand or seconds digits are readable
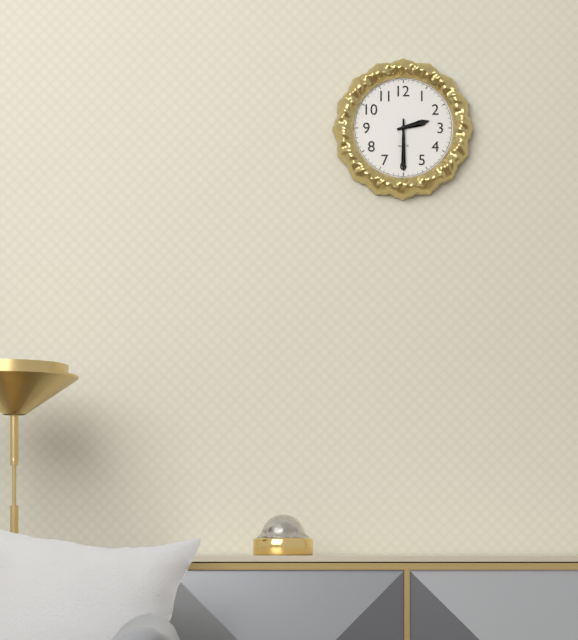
2:30
